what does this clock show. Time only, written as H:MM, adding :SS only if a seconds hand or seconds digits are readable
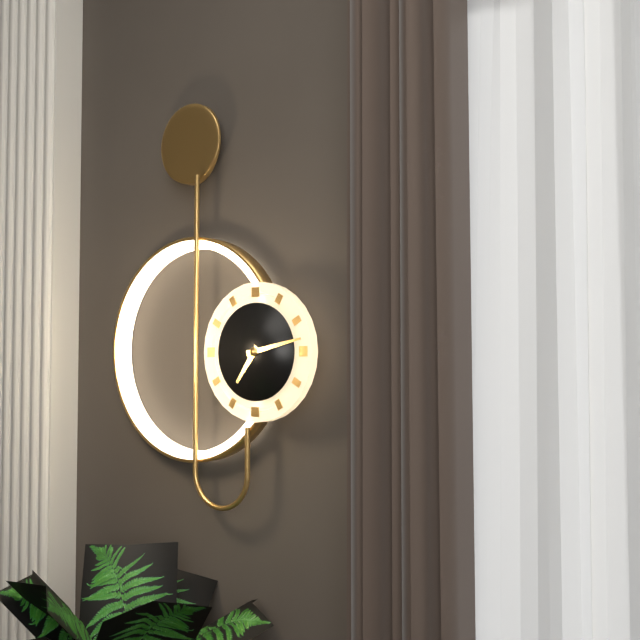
7:13
